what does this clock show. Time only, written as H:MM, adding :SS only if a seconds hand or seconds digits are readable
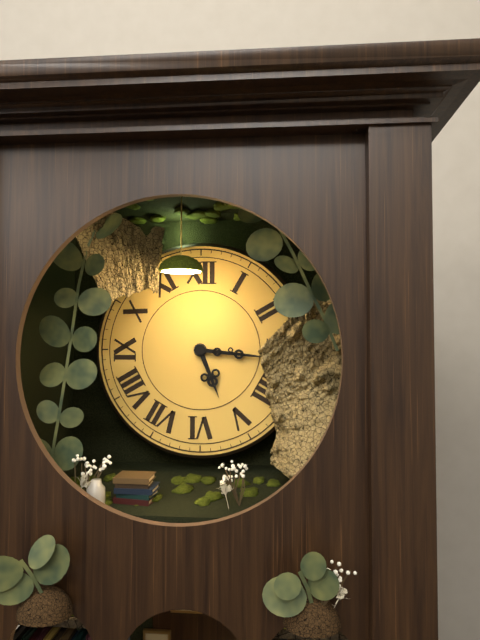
5:16
